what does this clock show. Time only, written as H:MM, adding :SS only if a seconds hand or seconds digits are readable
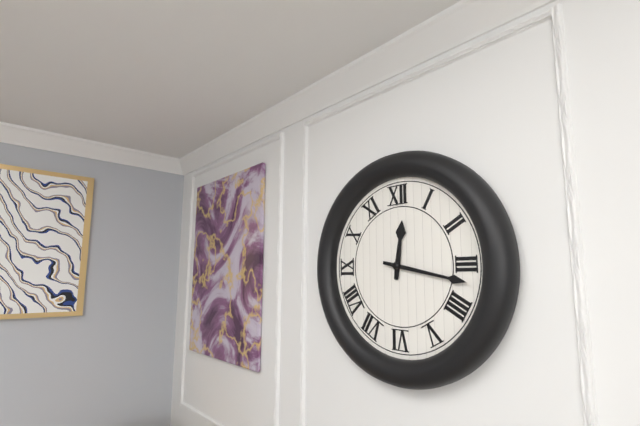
12:17
